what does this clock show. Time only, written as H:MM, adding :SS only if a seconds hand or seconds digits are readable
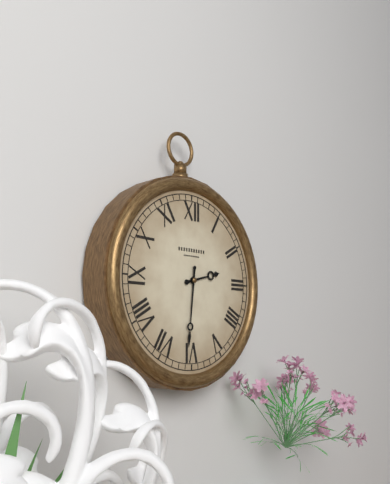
2:31
